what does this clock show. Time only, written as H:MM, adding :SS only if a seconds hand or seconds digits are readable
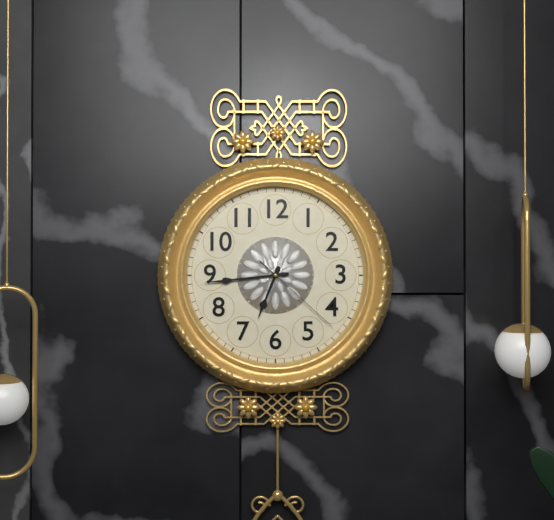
6:44:22
